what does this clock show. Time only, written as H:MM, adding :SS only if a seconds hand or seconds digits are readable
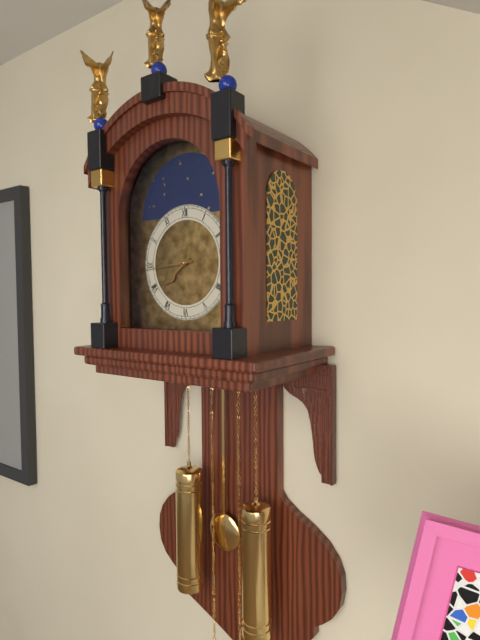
7:44
